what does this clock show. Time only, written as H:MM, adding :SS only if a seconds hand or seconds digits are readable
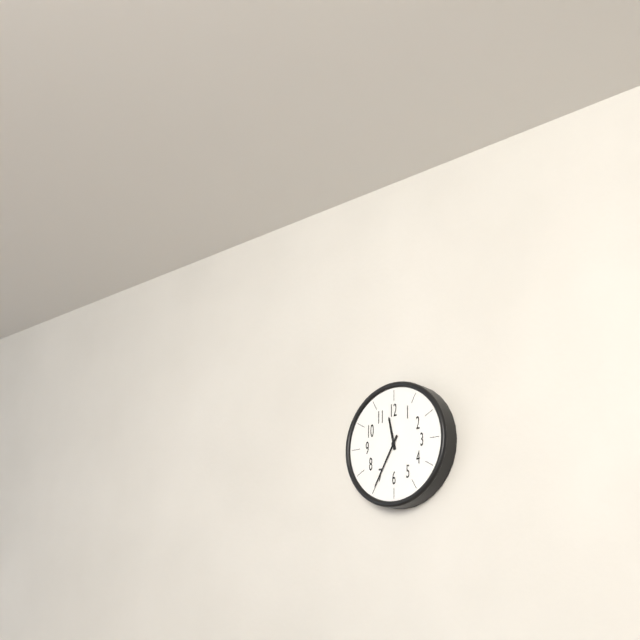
11:35
